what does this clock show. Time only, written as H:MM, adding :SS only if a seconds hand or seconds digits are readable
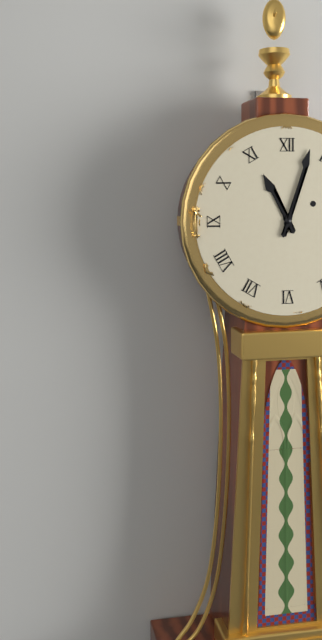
11:03
